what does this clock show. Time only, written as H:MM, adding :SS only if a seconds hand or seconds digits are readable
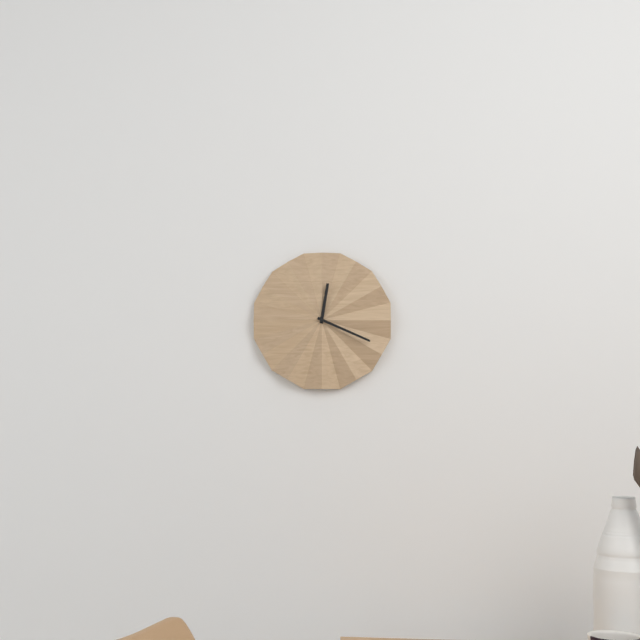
12:19
